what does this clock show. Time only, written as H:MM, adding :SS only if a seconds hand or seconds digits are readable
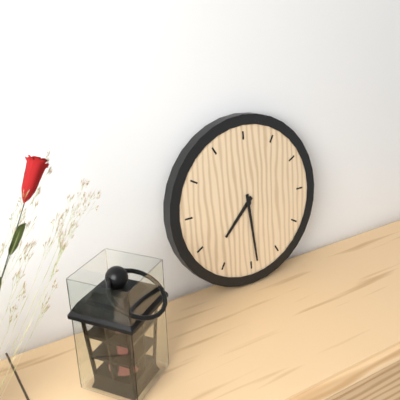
7:29
